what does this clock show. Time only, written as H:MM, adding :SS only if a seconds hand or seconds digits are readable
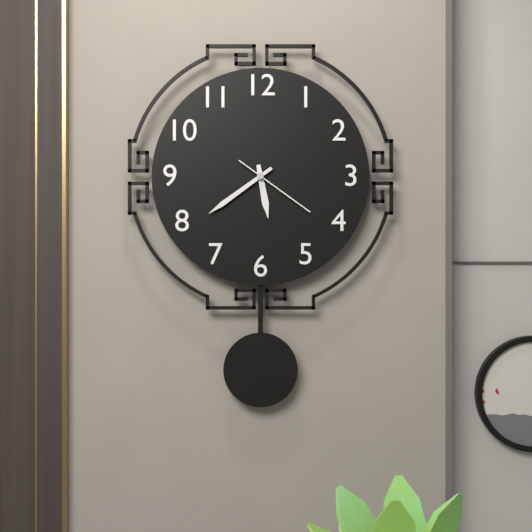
5:39:21
